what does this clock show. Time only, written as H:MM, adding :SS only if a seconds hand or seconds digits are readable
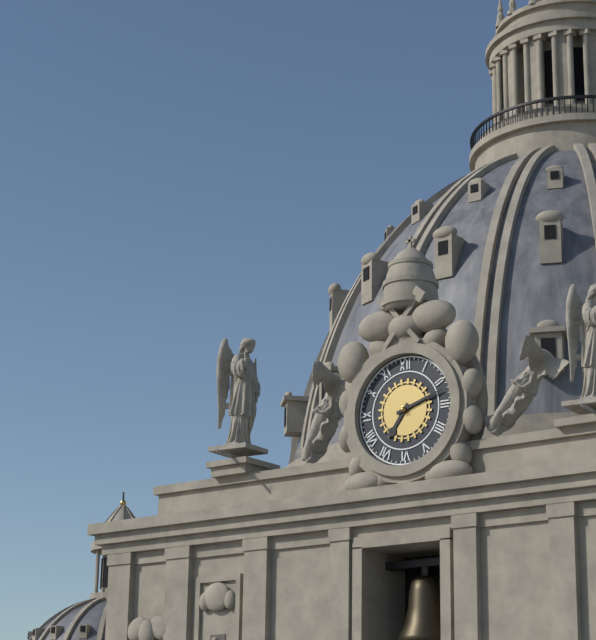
7:12
